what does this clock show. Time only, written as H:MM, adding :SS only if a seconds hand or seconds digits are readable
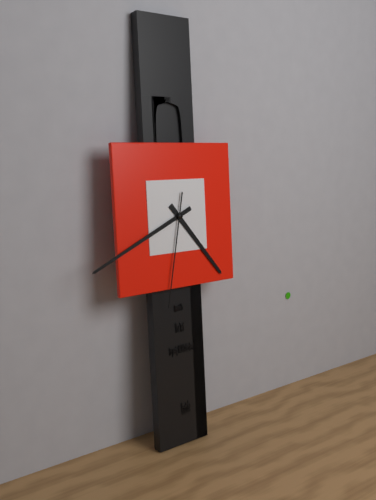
4:41:32
